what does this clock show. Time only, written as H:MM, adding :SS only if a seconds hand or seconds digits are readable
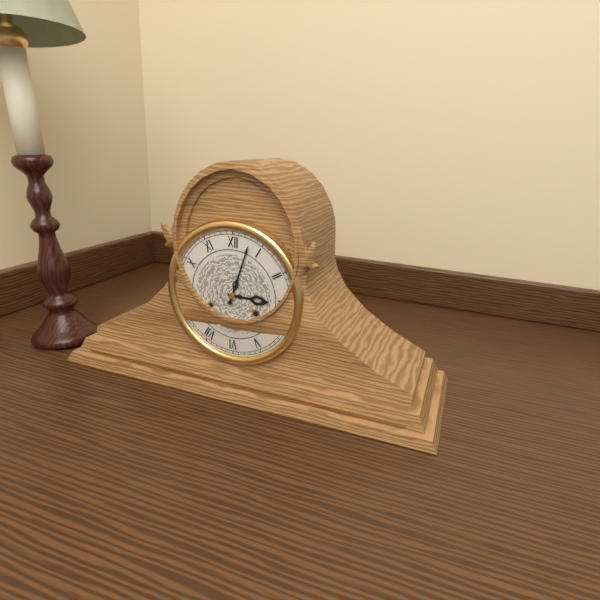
3:03
